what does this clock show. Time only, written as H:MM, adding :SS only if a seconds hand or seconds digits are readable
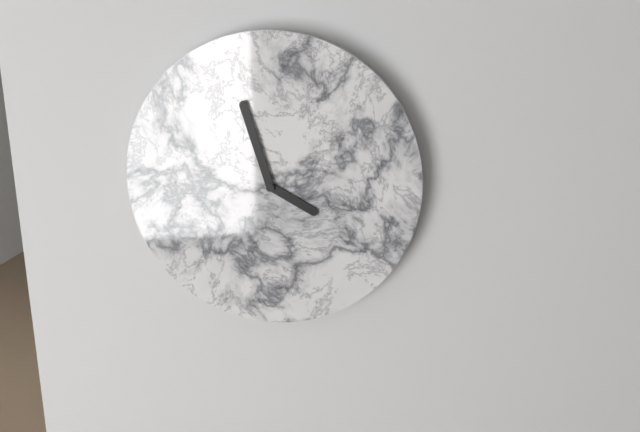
3:57
